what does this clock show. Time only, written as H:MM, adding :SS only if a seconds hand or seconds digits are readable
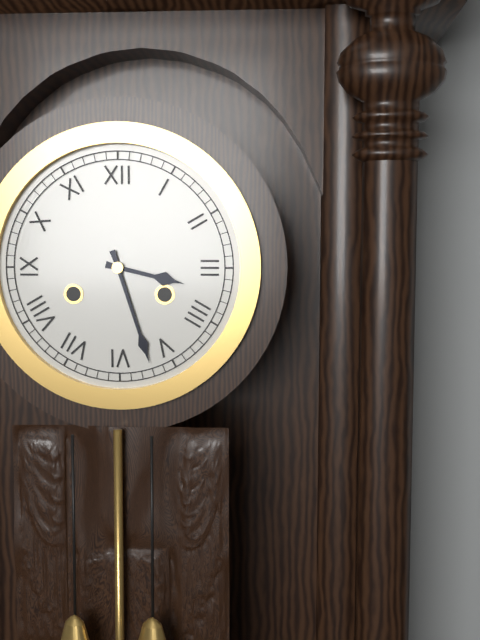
3:27
